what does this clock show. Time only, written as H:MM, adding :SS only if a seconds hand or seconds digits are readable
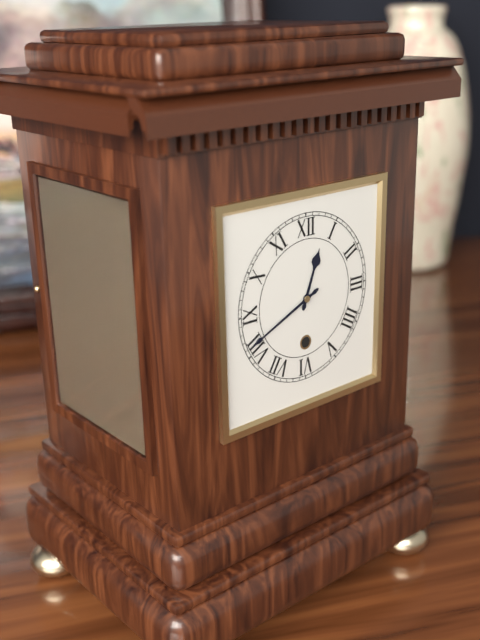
12:41
